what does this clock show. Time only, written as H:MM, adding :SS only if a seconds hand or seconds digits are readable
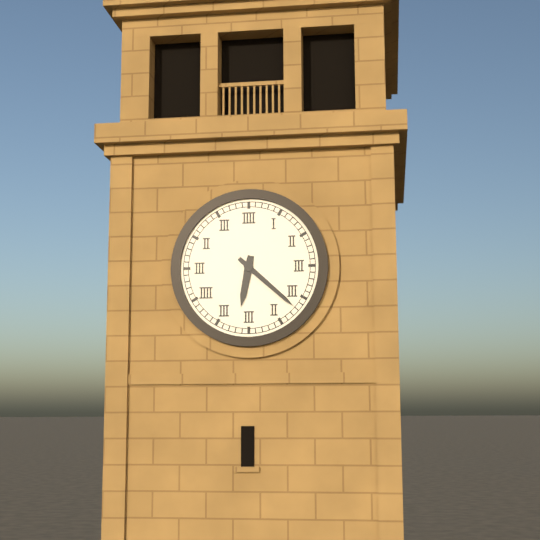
6:22
